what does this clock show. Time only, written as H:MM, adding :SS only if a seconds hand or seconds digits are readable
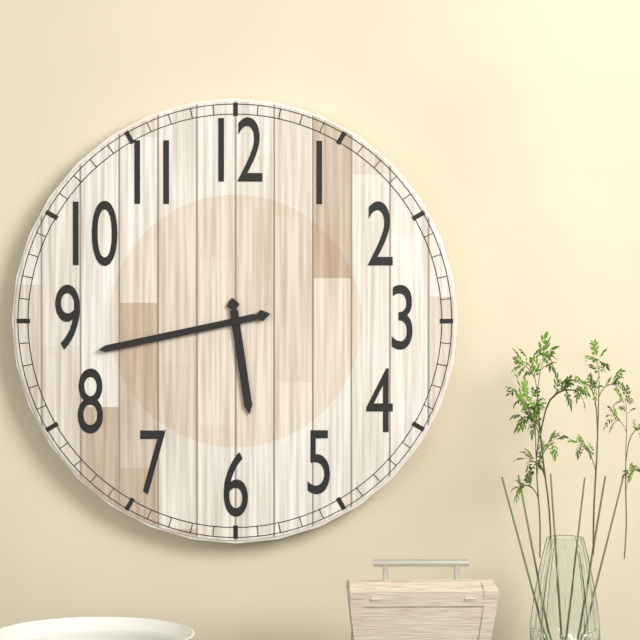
5:43
